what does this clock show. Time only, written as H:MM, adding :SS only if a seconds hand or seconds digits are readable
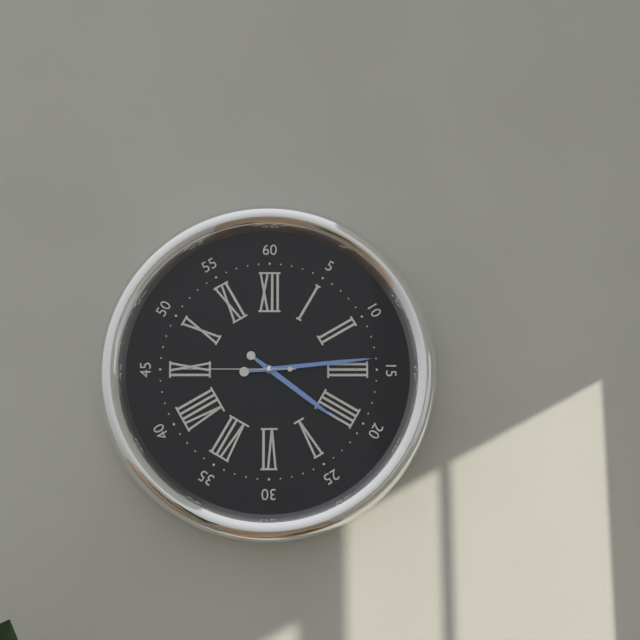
4:14:45
